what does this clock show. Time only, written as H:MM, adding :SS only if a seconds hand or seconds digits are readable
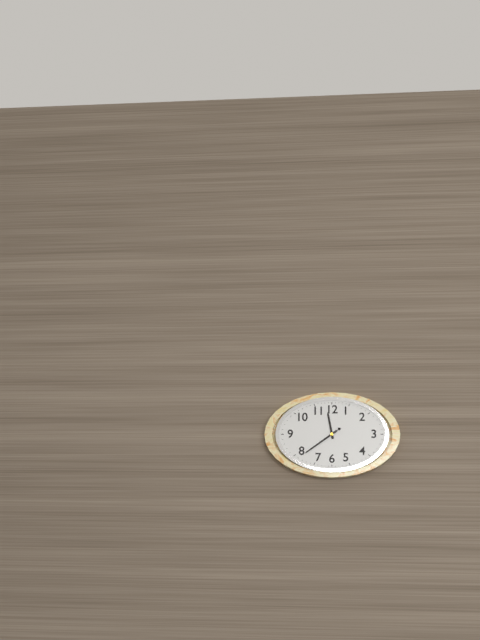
11:39
